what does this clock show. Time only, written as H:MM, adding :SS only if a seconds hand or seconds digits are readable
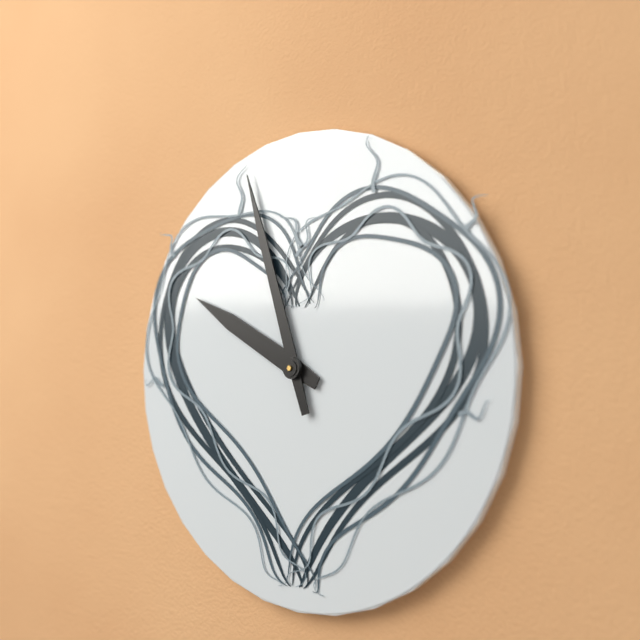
9:57
